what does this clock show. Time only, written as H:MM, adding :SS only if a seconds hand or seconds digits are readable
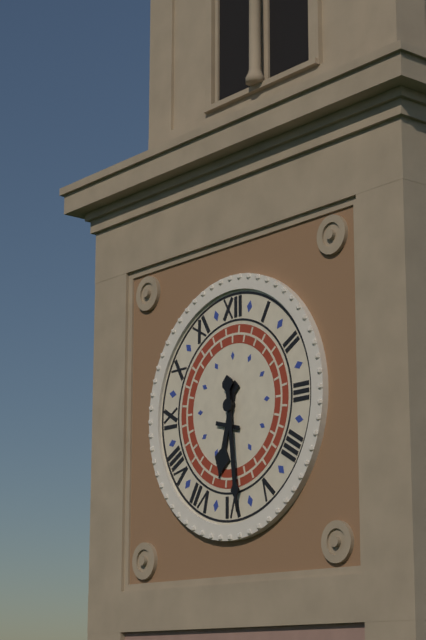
6:29
